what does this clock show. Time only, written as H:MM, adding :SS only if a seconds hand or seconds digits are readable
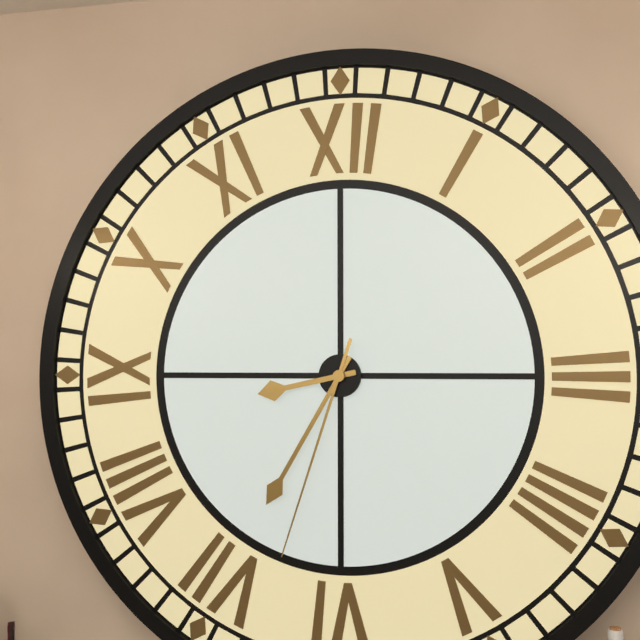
8:35:33
